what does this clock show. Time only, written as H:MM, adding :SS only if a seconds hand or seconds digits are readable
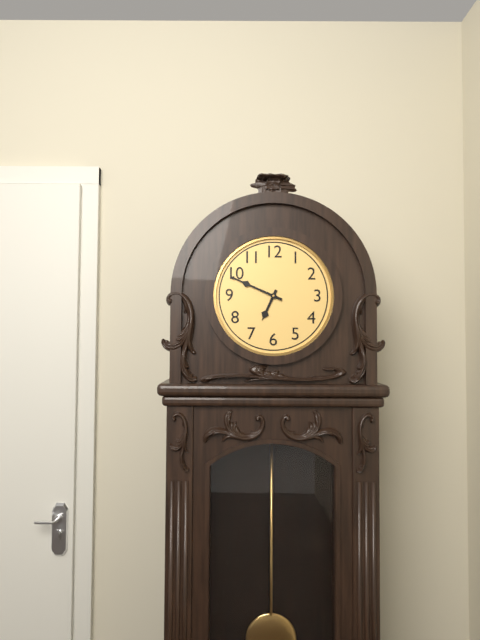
6:49
